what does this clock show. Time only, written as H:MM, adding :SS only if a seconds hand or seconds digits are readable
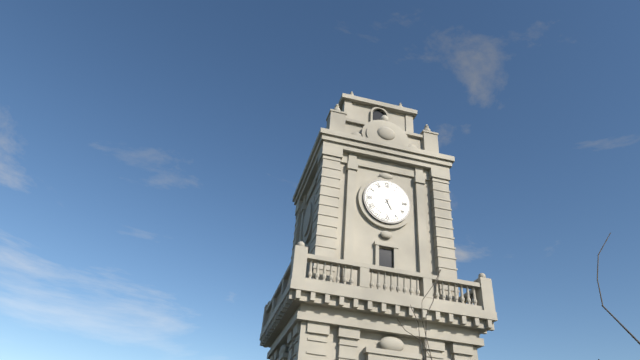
5:07
